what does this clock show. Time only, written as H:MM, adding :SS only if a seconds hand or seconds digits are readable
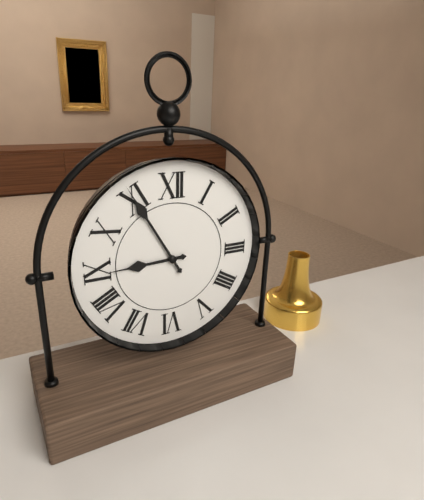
8:55
